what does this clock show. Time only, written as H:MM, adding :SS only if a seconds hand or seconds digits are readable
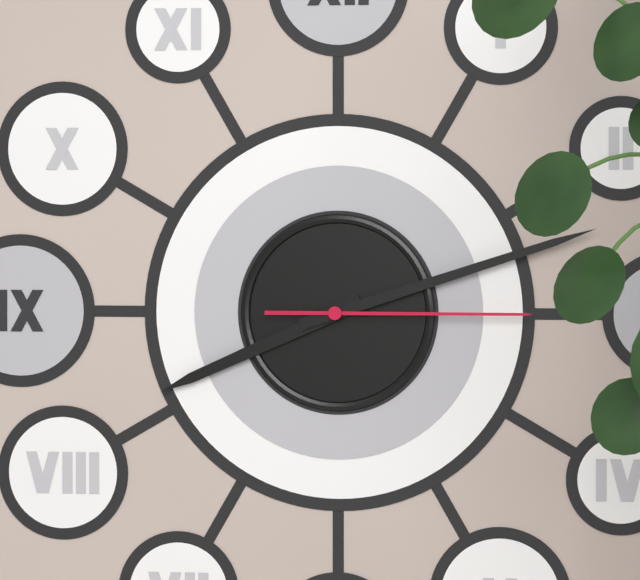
8:12:15
